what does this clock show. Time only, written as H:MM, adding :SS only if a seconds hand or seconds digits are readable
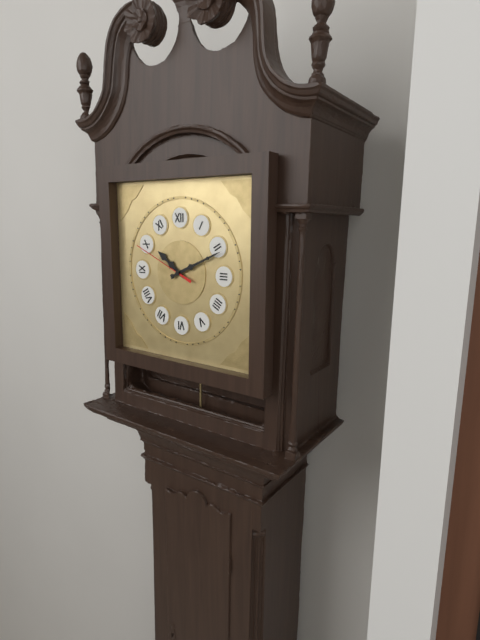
10:11:49
